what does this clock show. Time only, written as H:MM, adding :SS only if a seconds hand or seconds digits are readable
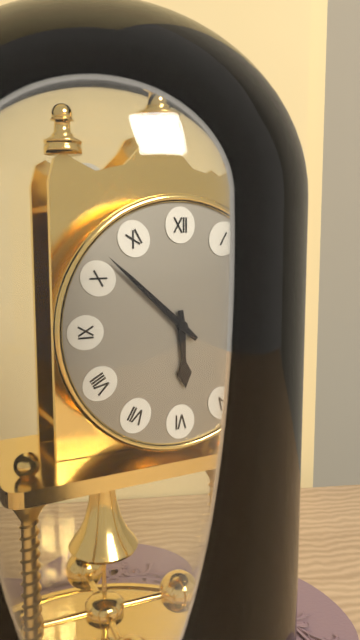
5:52
